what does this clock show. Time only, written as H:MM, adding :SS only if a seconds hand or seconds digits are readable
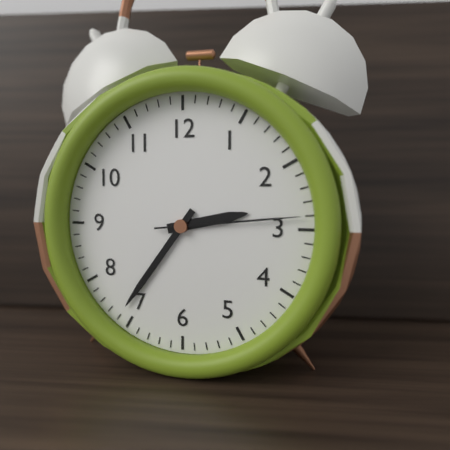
2:36:14
